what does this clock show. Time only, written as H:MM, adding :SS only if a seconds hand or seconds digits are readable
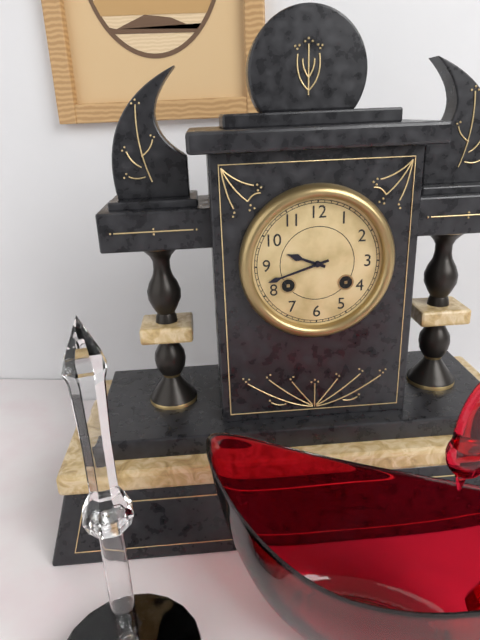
9:42
